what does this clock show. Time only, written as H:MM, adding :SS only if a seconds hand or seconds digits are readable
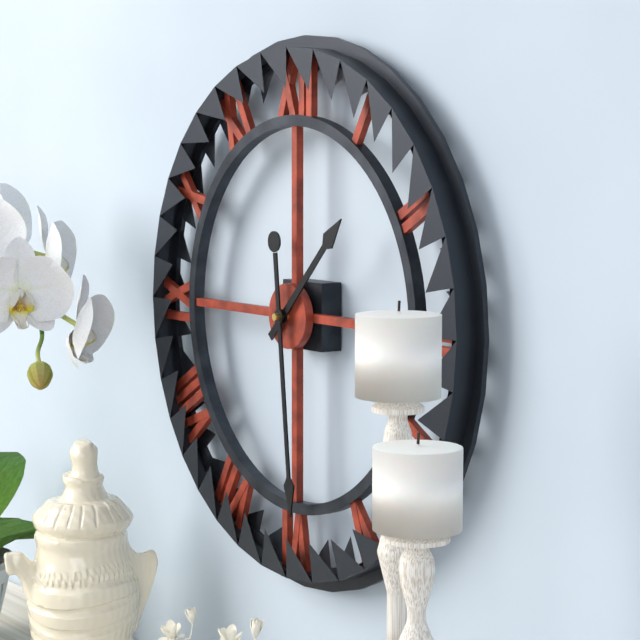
1:29
